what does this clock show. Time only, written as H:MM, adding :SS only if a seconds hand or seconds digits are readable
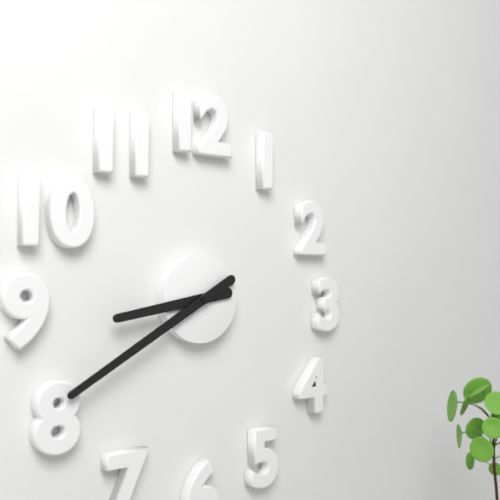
8:40
